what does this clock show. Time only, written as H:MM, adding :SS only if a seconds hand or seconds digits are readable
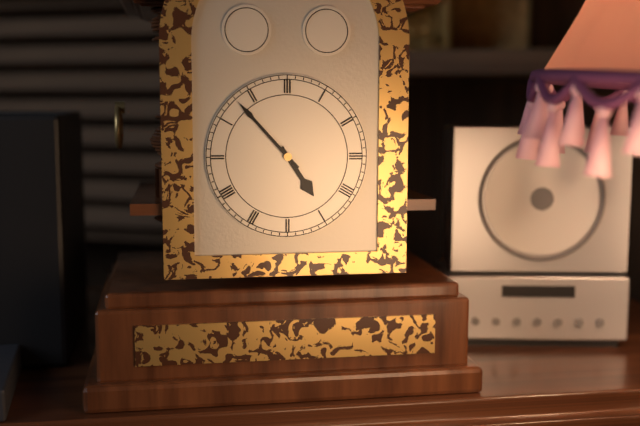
4:53
